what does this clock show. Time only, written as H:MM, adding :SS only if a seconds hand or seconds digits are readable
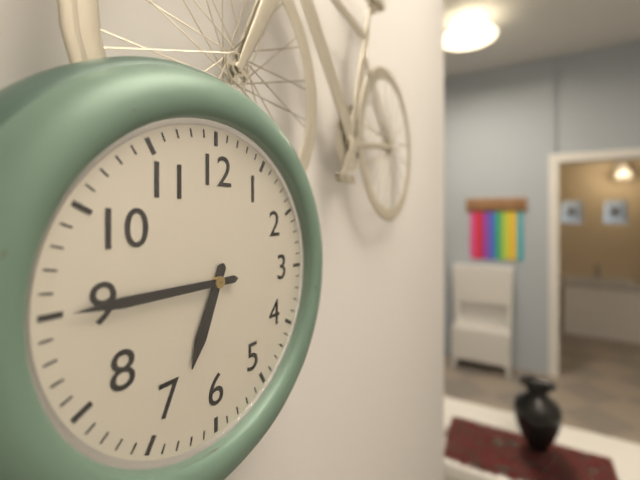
6:45
